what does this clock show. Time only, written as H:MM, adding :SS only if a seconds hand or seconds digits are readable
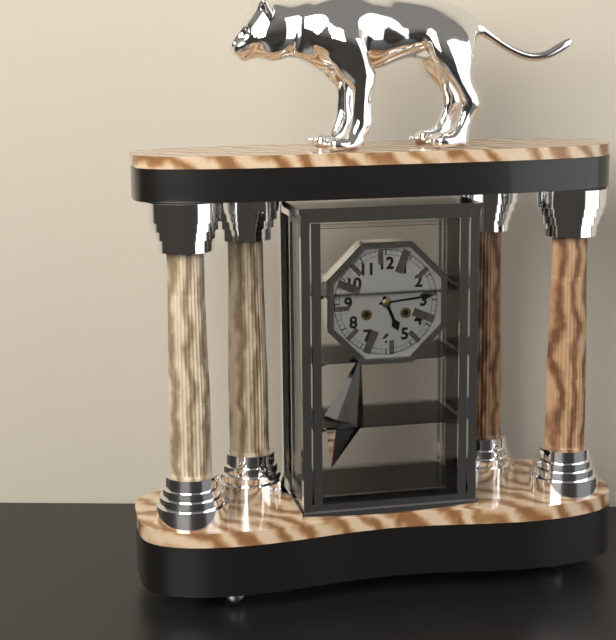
5:14
